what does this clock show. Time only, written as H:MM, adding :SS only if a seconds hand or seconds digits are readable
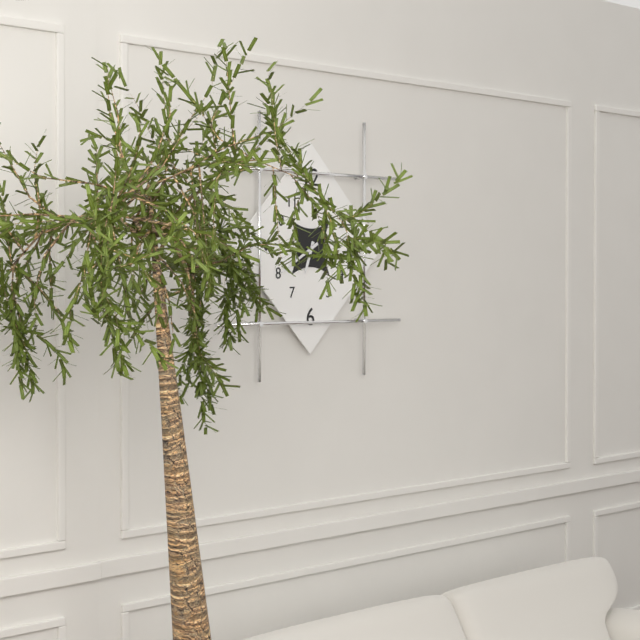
6:40
